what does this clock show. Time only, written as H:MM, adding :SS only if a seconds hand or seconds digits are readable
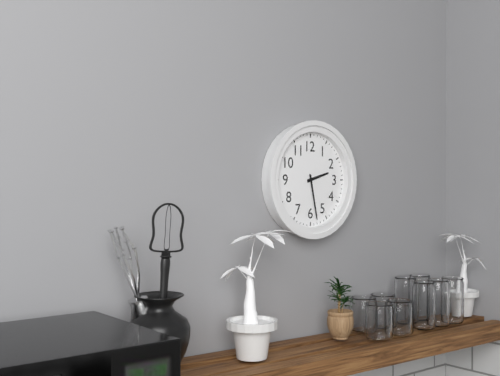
2:28
